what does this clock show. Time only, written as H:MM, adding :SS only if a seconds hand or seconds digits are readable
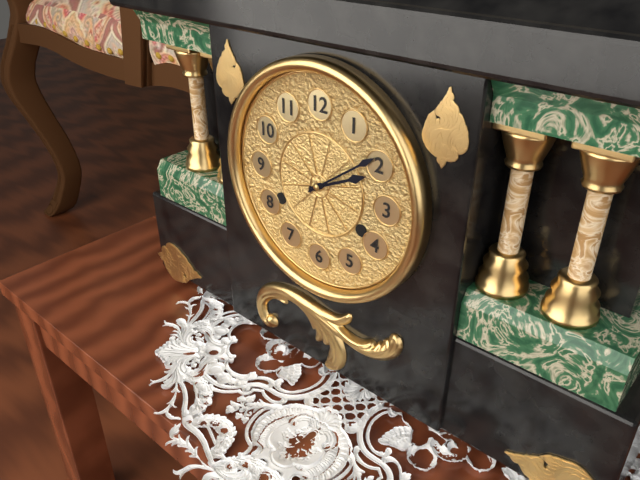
2:09
